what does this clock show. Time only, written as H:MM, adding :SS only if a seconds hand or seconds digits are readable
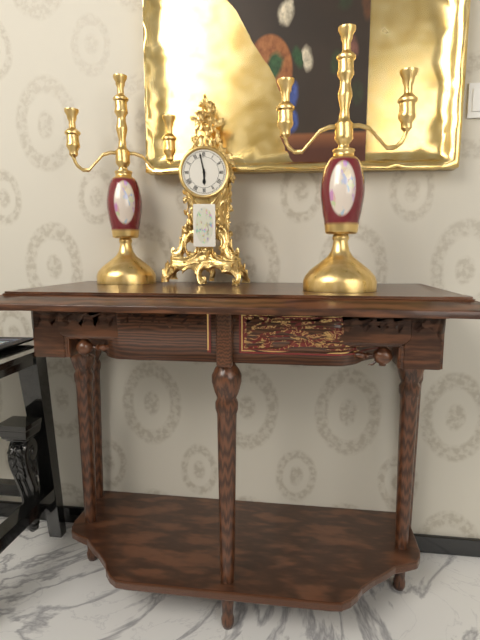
5:58
